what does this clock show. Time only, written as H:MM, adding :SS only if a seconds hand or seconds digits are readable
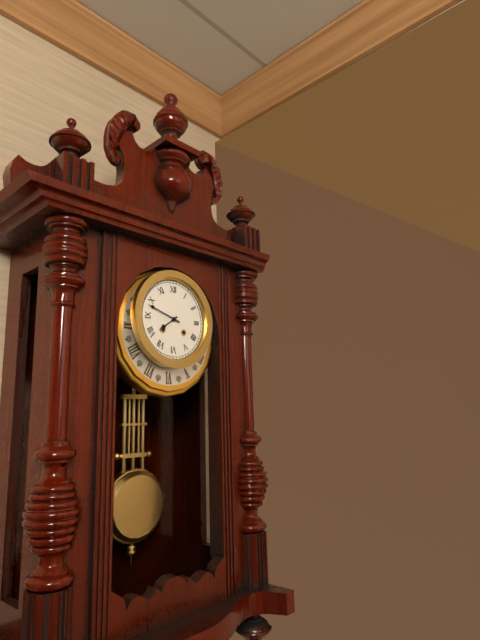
7:48
